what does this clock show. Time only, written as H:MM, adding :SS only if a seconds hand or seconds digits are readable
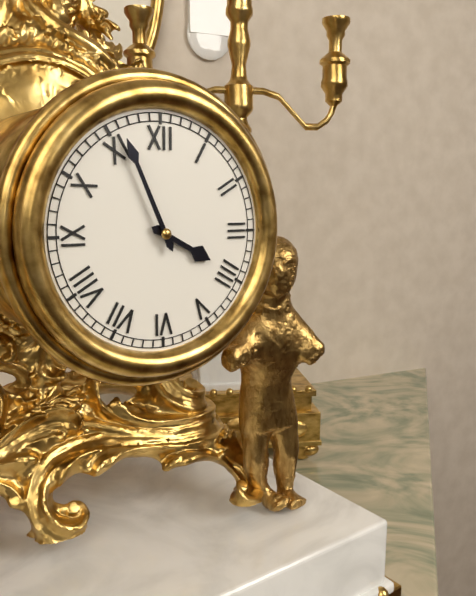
3:56
